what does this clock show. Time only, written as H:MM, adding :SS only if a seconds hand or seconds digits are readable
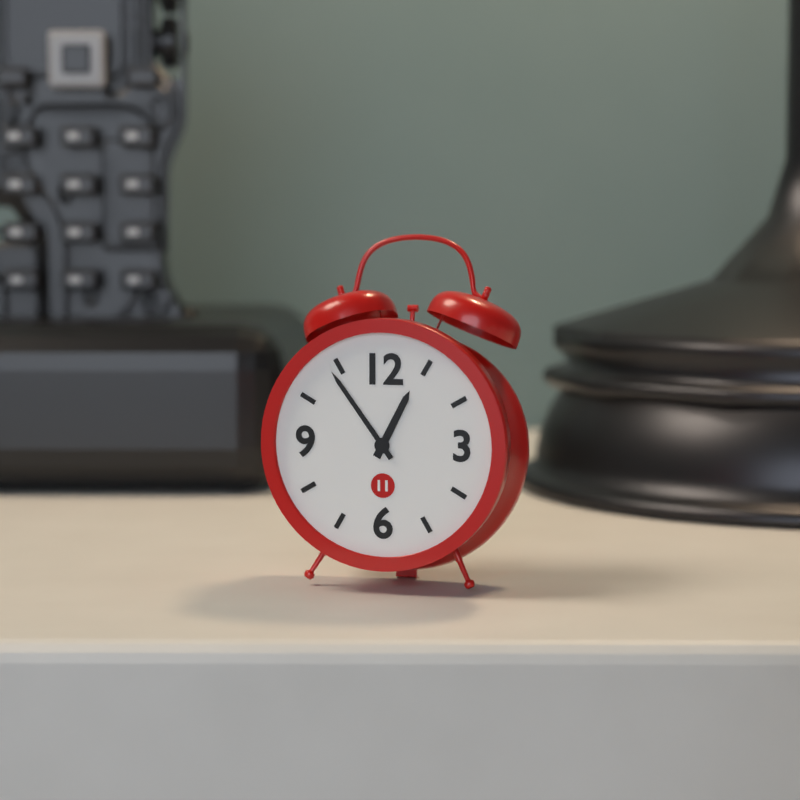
12:54
